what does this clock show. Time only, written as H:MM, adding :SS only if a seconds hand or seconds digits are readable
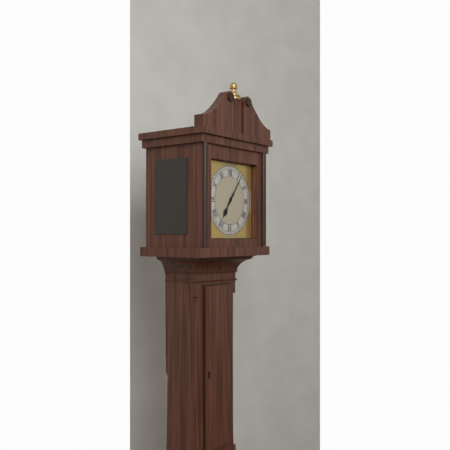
7:06
